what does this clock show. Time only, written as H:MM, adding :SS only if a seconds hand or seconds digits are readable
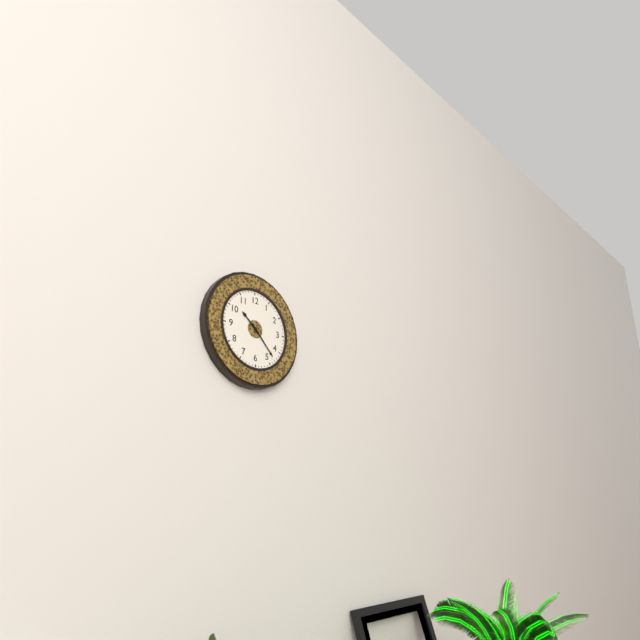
10:23
